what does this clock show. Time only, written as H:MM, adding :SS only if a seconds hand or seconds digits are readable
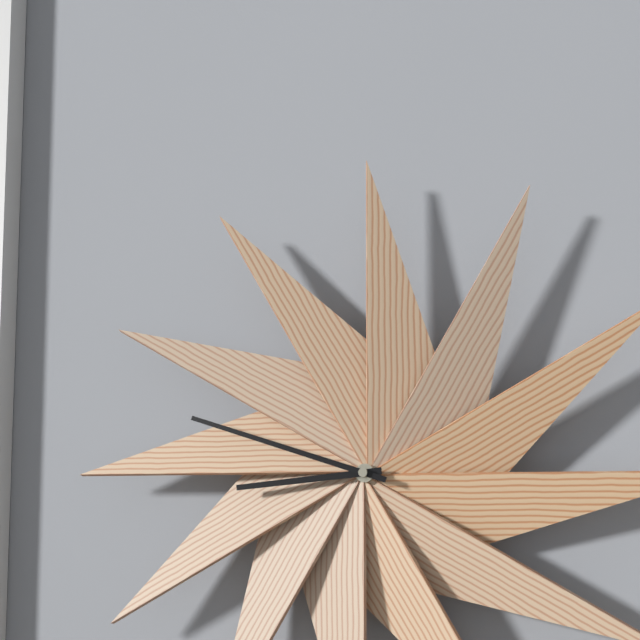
8:48
